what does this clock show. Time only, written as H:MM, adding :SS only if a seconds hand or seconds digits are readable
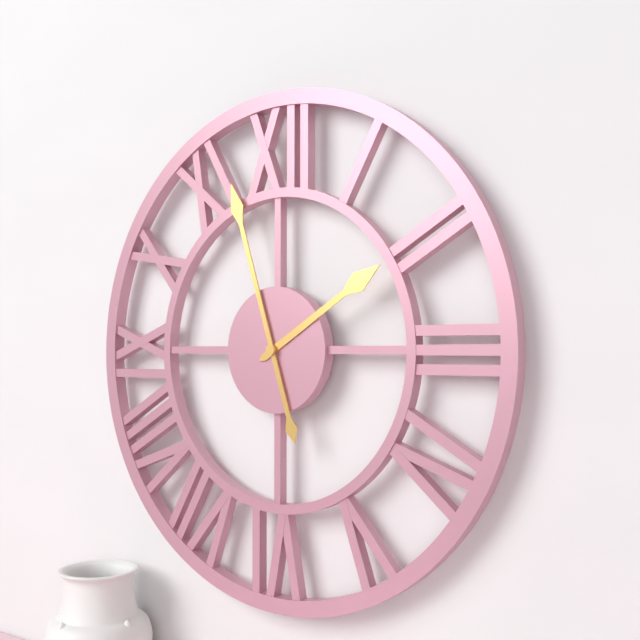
1:57
